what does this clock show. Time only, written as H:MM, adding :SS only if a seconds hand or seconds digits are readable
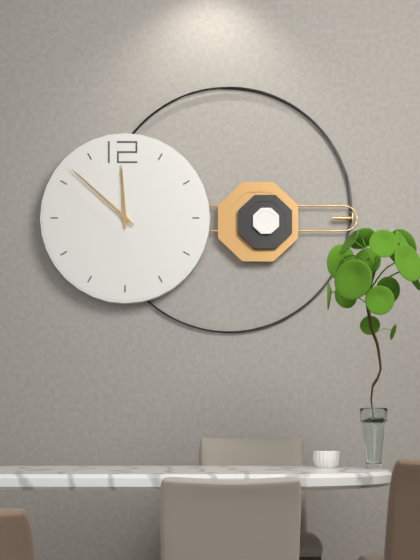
11:52
